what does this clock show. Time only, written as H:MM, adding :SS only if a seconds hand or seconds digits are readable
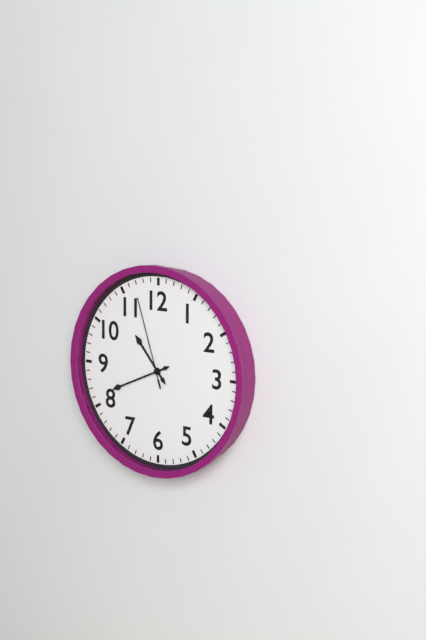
10:41:57
